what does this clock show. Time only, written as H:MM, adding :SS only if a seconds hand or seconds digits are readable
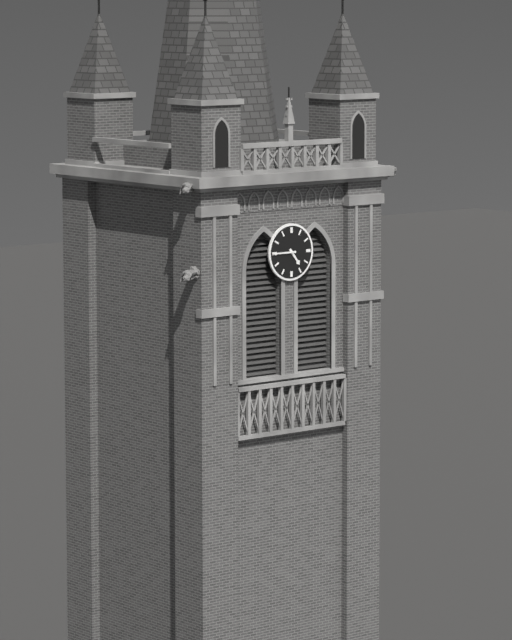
4:45
